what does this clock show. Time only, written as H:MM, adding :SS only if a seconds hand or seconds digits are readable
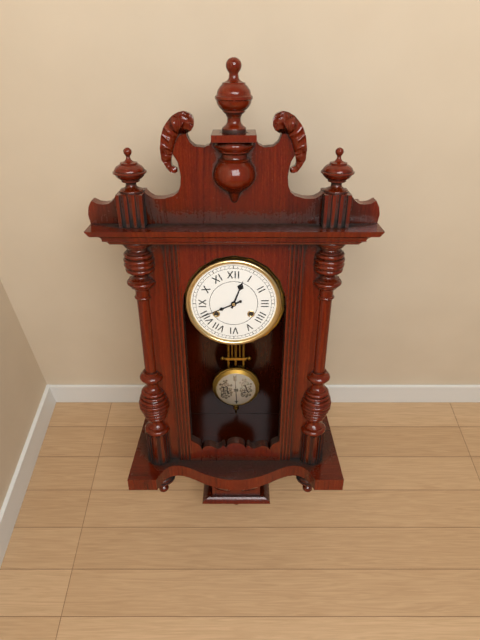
12:41
